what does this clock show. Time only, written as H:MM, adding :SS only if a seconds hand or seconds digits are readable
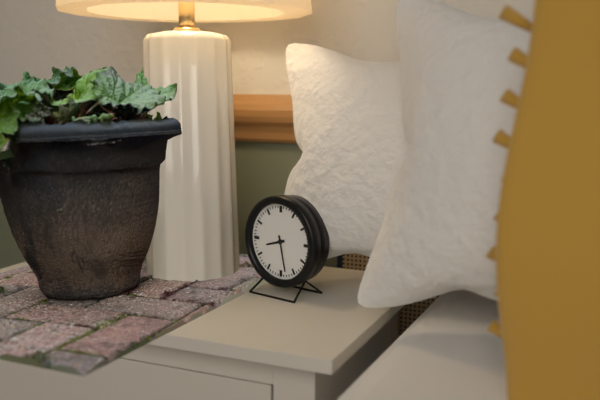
8:28
